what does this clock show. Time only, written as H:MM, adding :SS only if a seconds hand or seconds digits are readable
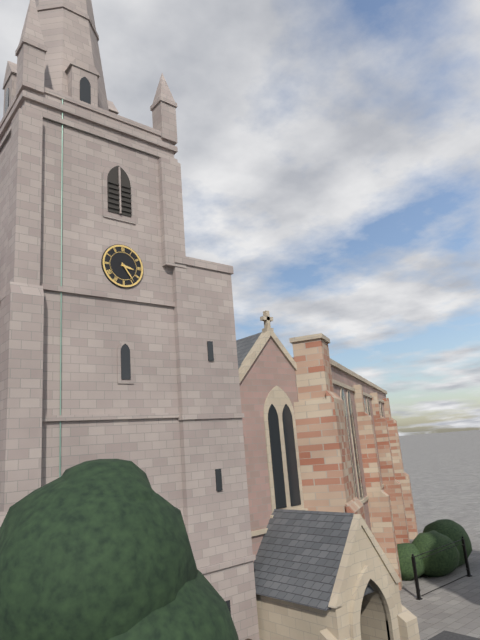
3:24
